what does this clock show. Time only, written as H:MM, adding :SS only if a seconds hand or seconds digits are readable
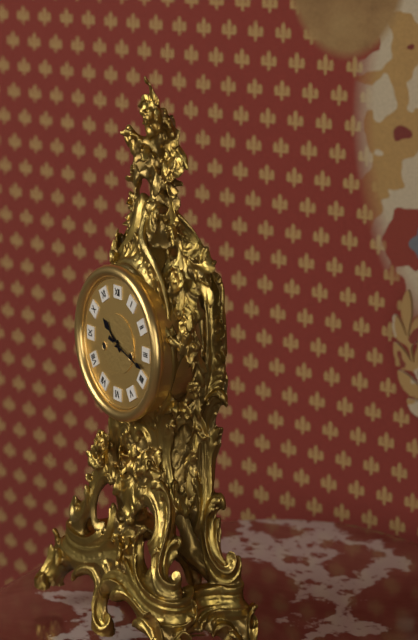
10:18
